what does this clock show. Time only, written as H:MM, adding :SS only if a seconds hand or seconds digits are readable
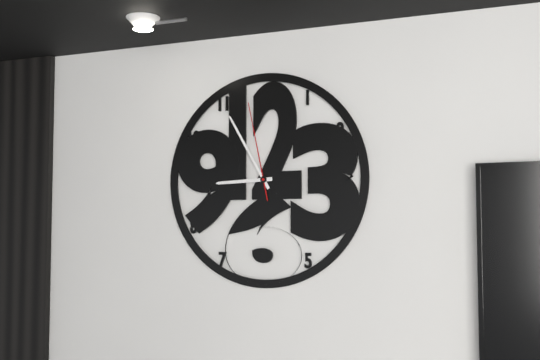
8:55:58
